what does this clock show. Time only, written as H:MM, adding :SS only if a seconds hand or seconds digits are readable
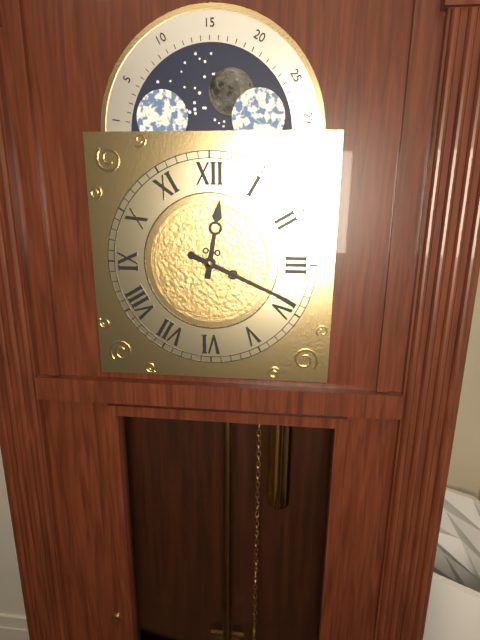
12:19
